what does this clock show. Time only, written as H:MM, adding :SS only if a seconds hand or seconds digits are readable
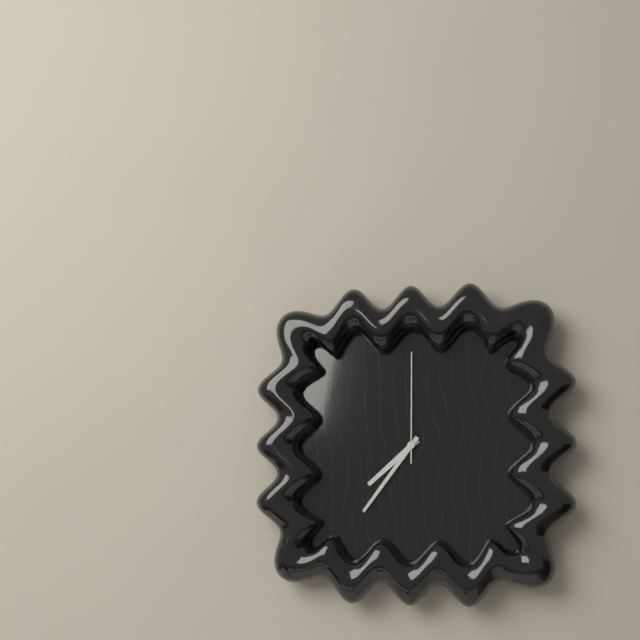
7:36:00
